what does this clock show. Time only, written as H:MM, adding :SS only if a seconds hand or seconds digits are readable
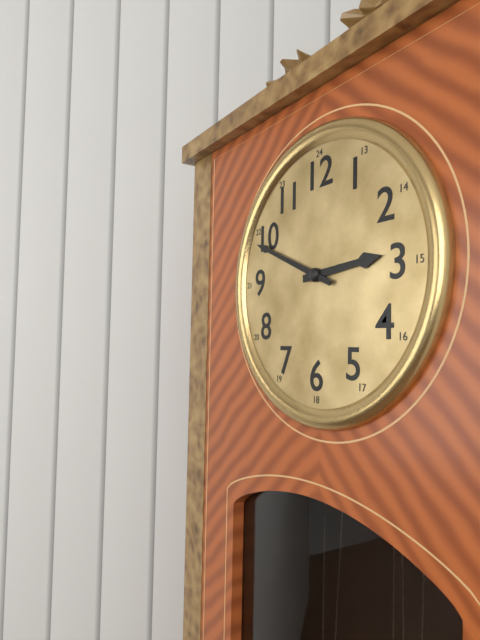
2:49
